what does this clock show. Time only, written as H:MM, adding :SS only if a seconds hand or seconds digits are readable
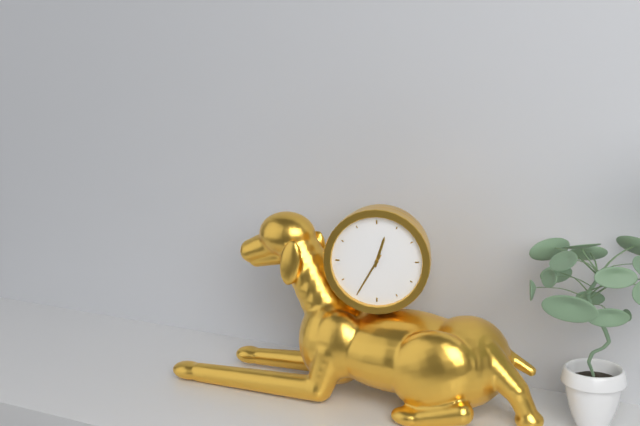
12:35
